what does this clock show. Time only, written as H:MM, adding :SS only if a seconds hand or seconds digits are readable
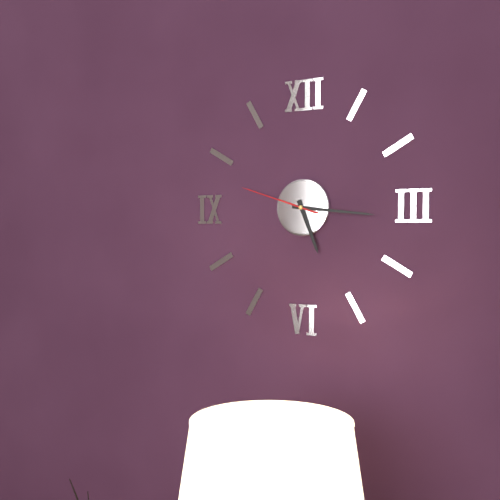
5:16:48
